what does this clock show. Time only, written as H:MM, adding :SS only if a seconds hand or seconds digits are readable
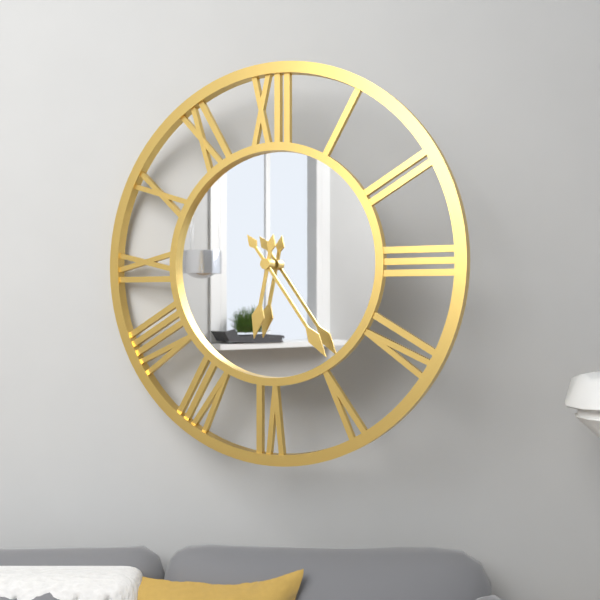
6:24
